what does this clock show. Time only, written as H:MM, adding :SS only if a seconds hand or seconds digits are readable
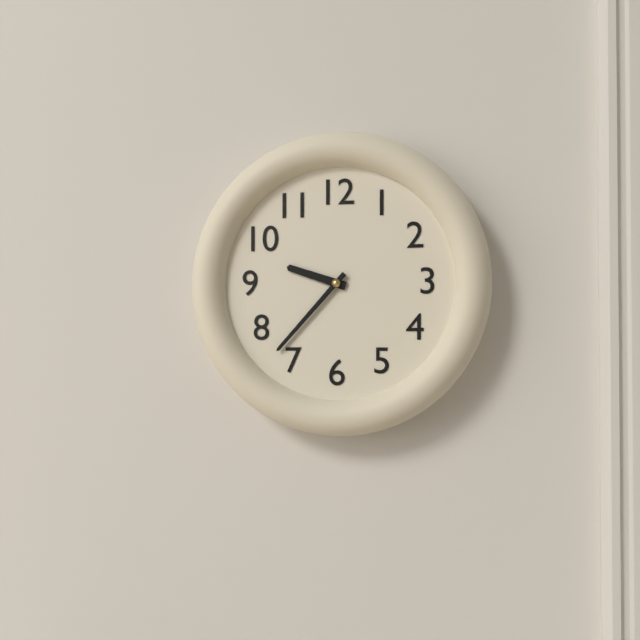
9:37
